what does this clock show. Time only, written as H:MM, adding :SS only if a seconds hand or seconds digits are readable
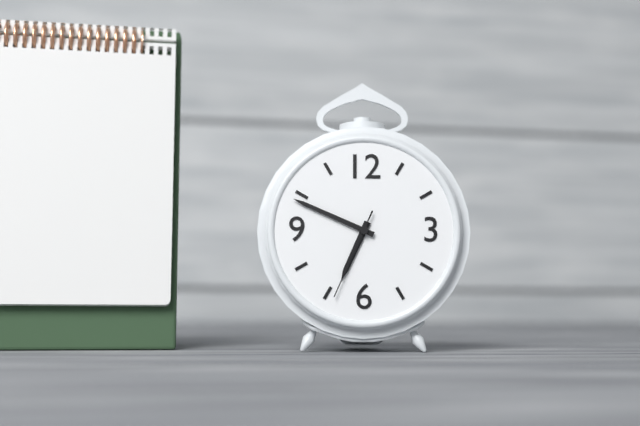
6:49:34
